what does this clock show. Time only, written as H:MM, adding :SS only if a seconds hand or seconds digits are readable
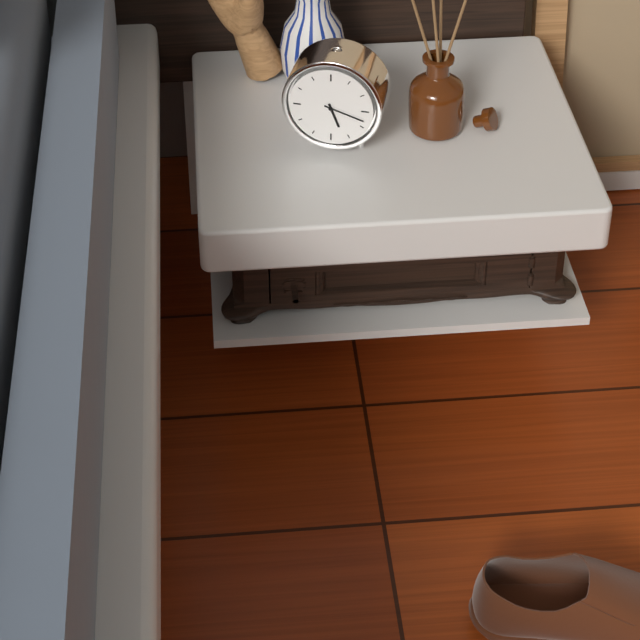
5:18
